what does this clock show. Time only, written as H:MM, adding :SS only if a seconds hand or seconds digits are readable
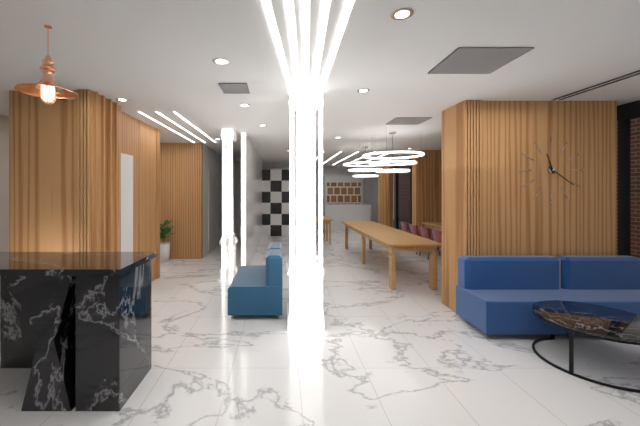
11:21
